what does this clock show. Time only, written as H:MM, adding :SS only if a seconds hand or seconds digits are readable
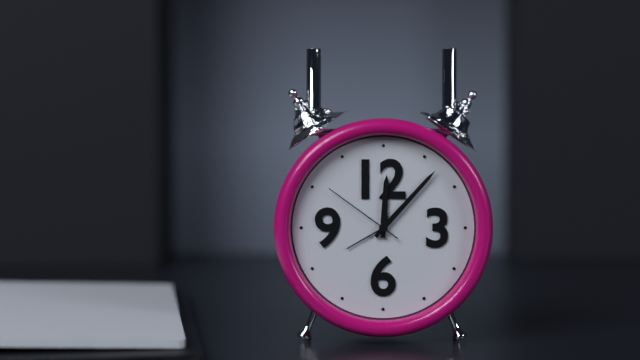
12:07:51
